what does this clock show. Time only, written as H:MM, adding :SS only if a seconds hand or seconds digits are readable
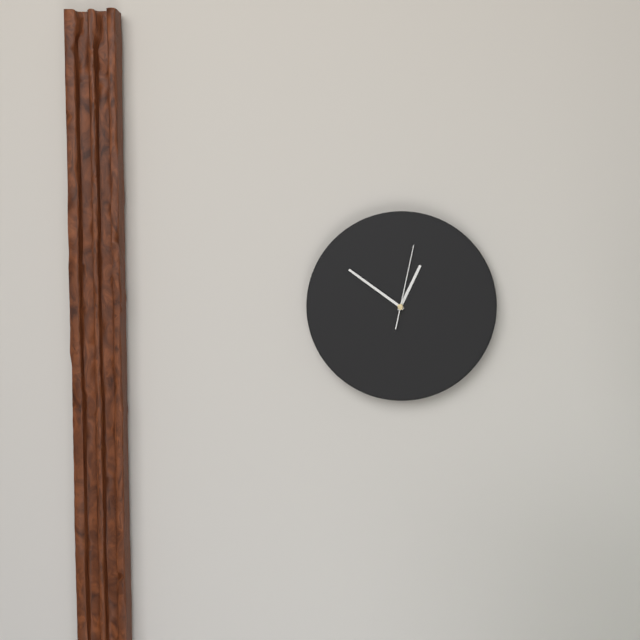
12:51:02
